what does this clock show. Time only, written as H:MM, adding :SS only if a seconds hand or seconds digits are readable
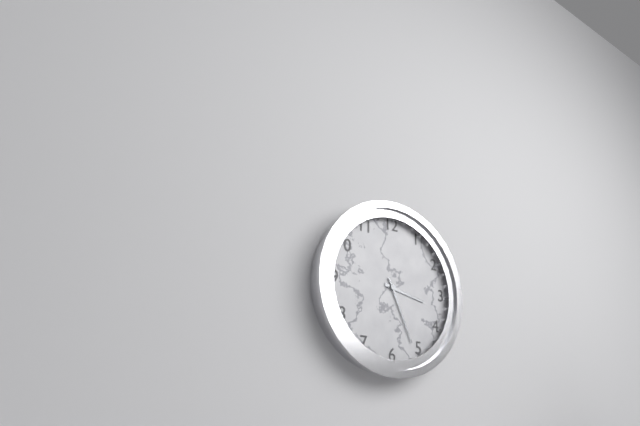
3:26
